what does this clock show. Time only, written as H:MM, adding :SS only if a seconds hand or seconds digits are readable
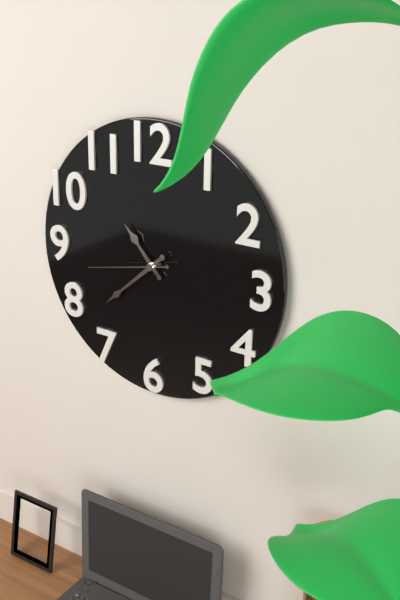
10:38:43
